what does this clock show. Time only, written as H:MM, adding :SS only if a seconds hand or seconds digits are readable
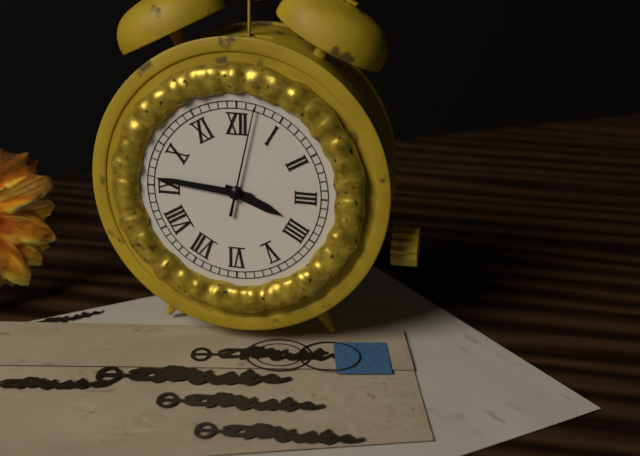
3:46:02
